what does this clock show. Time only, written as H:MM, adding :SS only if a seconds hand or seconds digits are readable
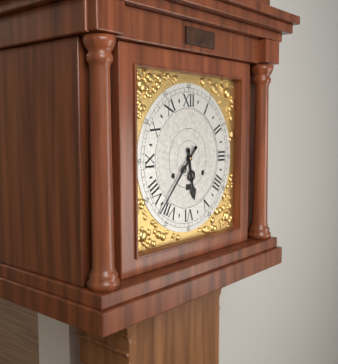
5:37
